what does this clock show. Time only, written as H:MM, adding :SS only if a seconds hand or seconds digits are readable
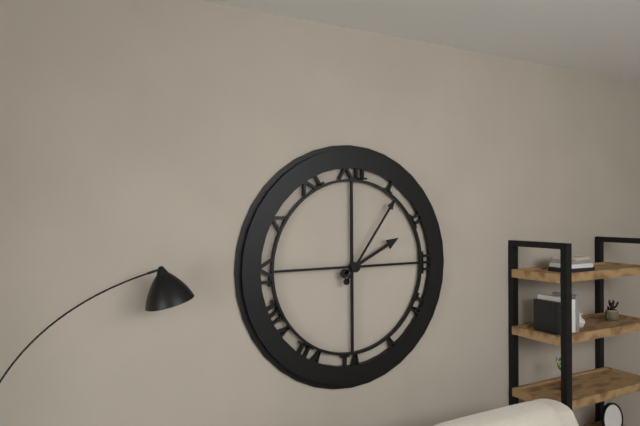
2:06
